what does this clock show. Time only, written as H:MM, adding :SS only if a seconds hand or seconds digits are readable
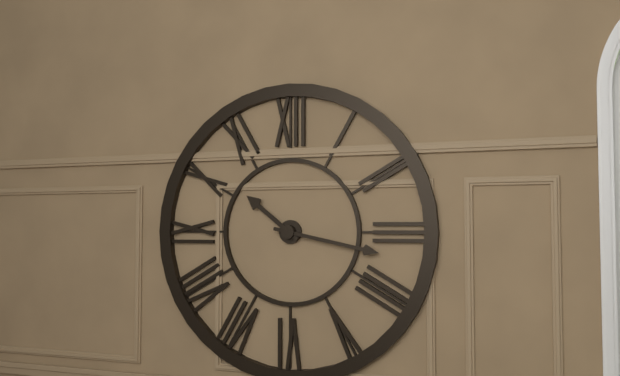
10:17
